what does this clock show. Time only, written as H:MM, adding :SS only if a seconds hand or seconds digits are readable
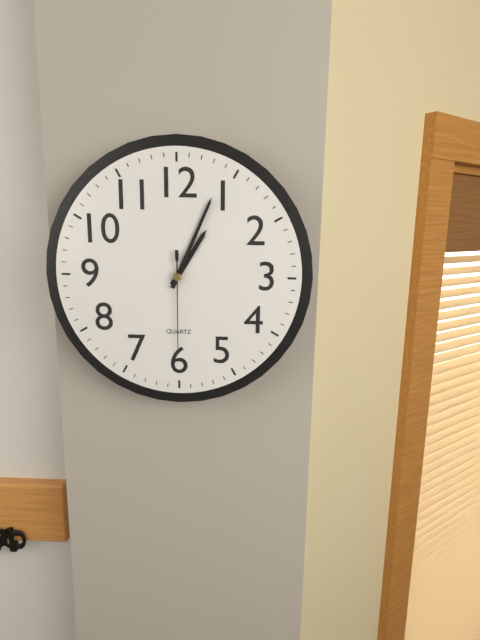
1:04:30
